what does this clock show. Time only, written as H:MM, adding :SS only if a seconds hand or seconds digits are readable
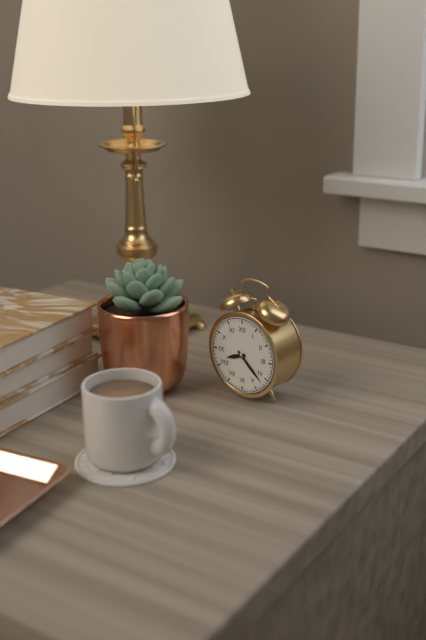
8:22
